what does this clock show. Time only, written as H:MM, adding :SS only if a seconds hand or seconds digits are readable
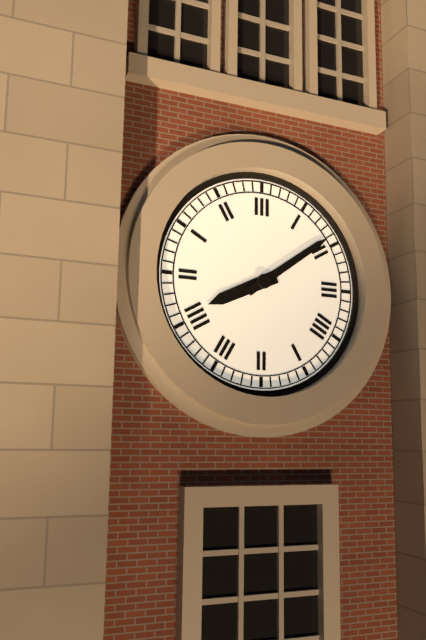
8:09
